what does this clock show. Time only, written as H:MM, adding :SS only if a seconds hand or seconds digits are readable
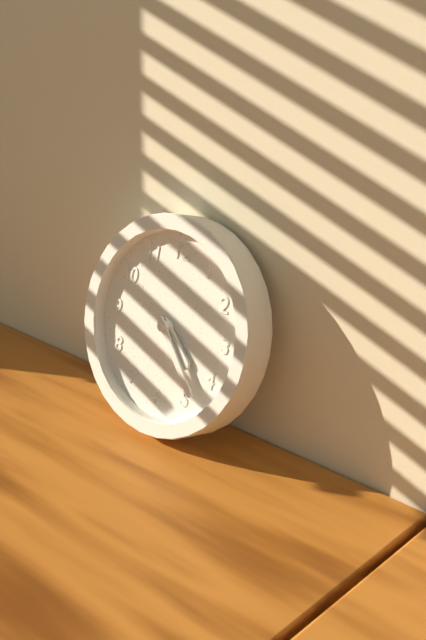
4:23
